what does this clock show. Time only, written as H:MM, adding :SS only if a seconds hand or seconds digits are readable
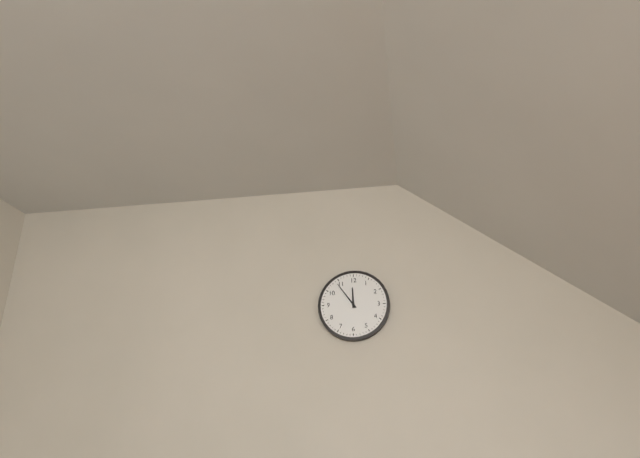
11:54
